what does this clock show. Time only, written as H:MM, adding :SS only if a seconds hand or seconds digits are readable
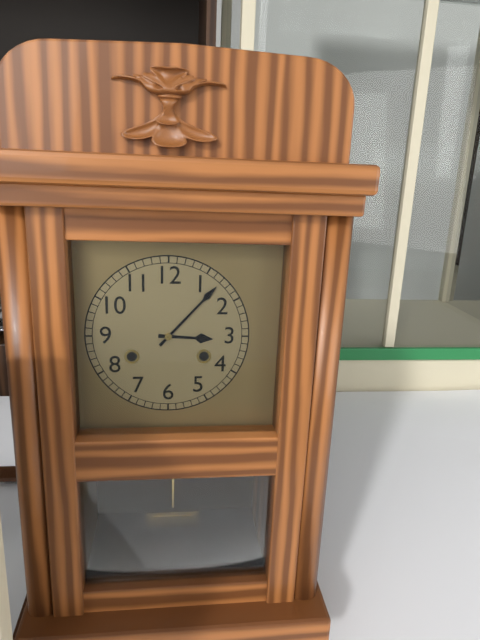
3:07
